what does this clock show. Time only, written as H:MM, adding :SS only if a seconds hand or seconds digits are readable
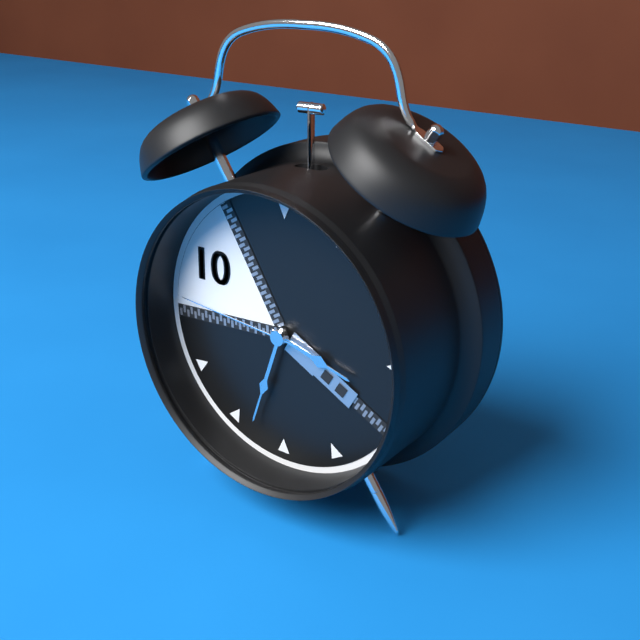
3:33:46
